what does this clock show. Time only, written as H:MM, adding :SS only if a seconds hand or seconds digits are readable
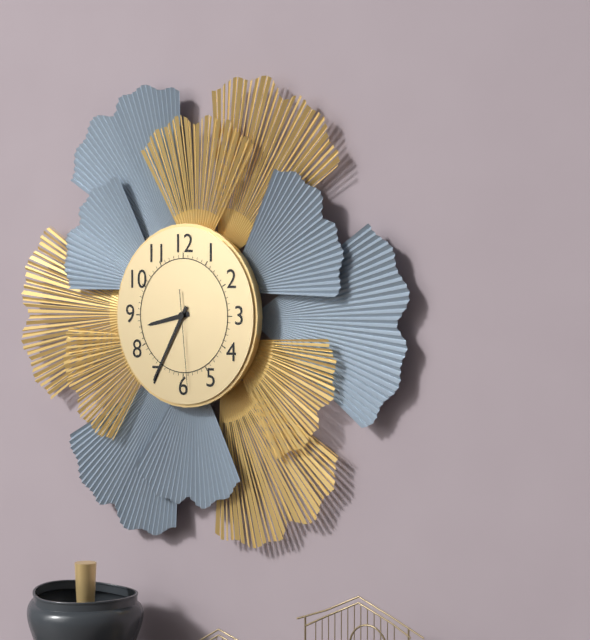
8:35:29
